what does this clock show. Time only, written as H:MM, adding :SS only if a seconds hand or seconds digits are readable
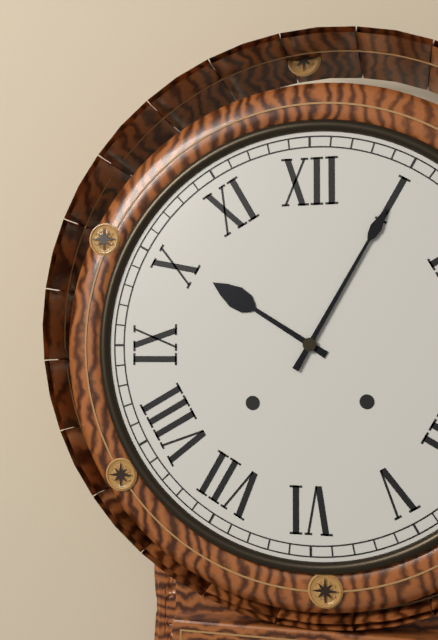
10:05
